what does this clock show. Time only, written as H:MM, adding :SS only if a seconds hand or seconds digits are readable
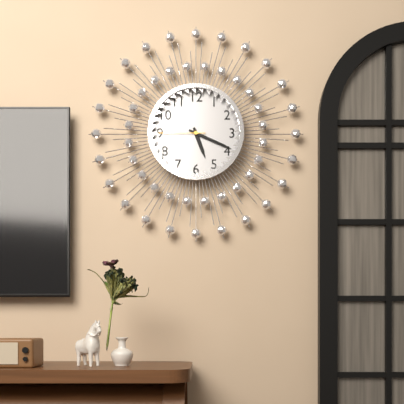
5:19
